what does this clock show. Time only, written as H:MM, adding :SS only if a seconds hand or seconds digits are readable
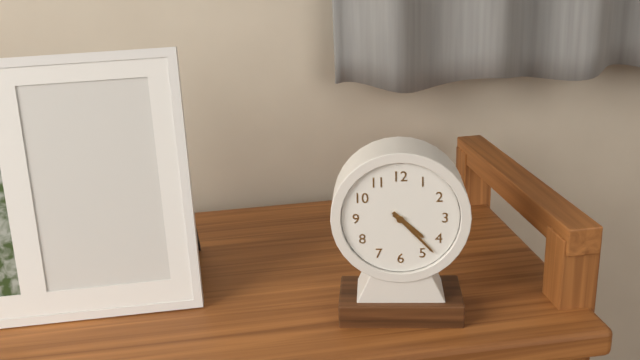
4:23
